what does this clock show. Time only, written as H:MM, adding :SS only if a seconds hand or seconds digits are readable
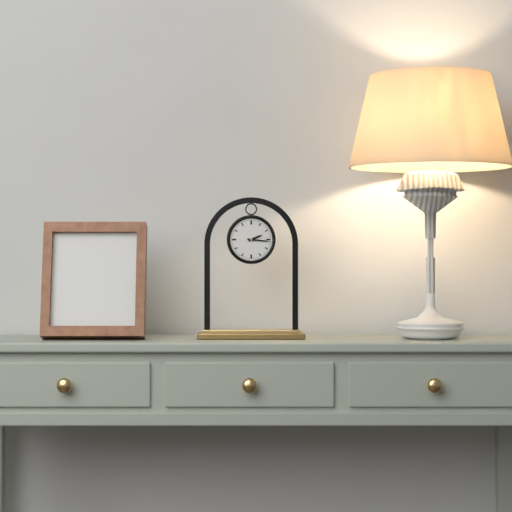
2:16
